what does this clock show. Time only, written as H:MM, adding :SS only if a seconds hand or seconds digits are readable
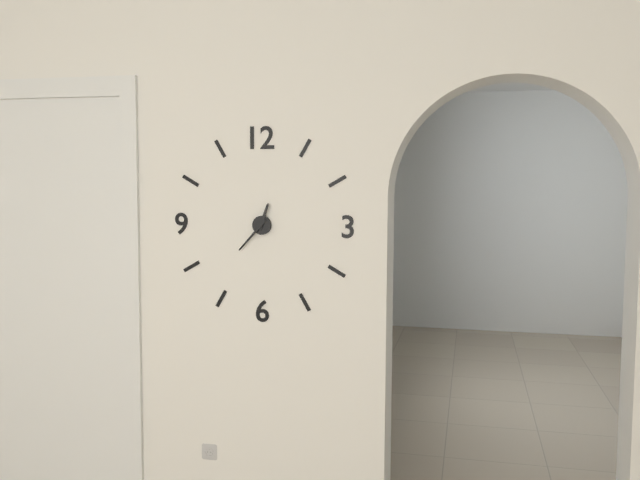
12:37
